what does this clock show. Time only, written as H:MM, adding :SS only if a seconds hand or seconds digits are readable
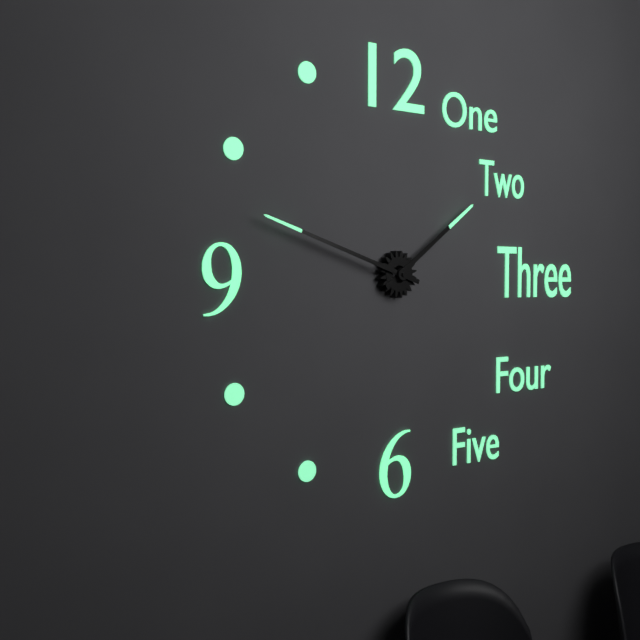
1:48
